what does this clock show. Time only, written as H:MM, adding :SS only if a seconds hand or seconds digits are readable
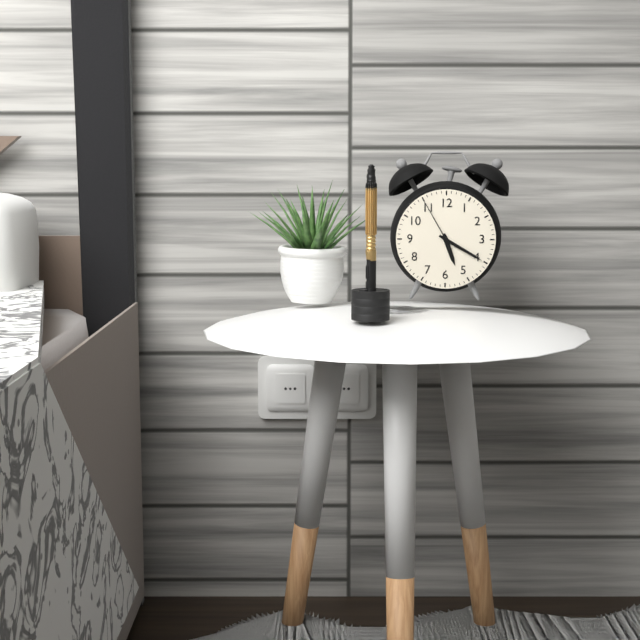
5:20:55
